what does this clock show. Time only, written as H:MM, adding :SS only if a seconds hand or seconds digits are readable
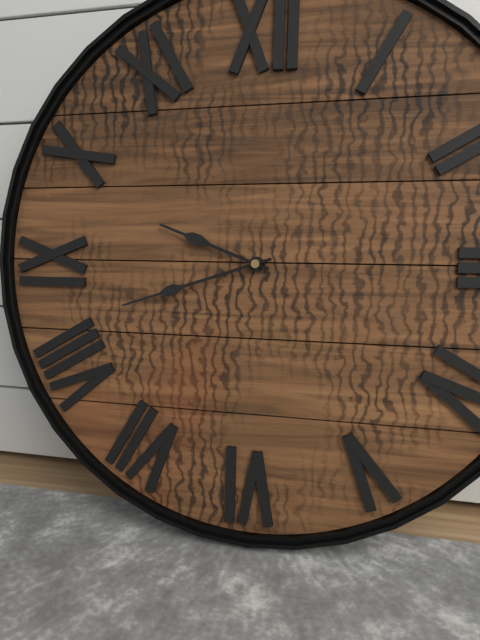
9:42
